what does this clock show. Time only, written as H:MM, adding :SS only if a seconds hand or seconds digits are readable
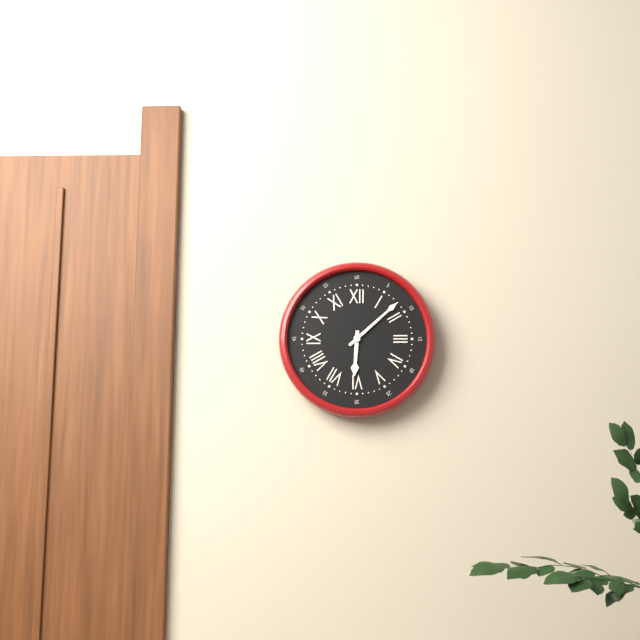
6:08
